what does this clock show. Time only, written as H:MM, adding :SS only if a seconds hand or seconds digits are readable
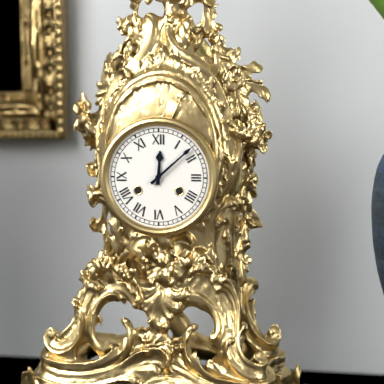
12:08
